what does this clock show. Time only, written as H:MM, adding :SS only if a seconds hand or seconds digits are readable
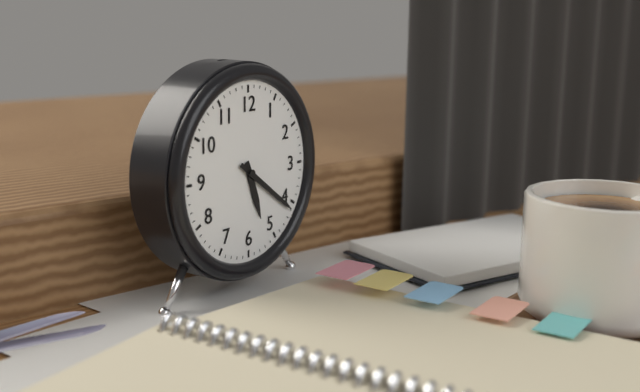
5:21
